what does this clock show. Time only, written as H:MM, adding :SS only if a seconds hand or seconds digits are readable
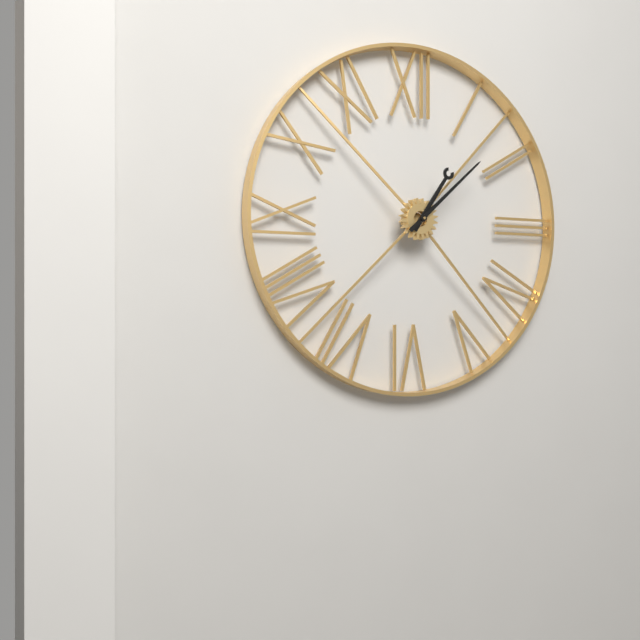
1:08
